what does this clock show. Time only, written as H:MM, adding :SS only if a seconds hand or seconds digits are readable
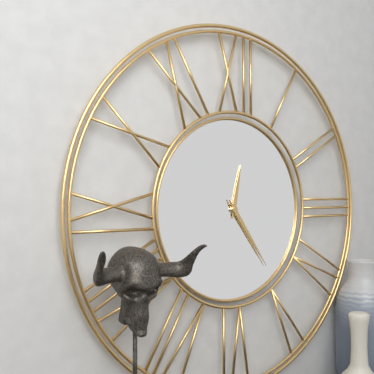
12:24
